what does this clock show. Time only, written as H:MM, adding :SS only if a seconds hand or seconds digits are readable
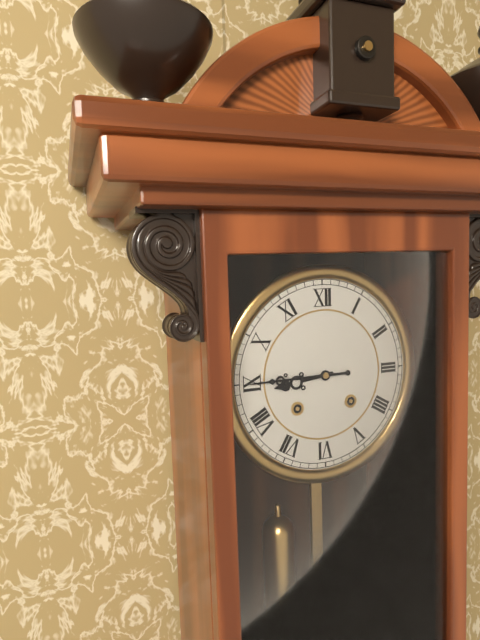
8:45
